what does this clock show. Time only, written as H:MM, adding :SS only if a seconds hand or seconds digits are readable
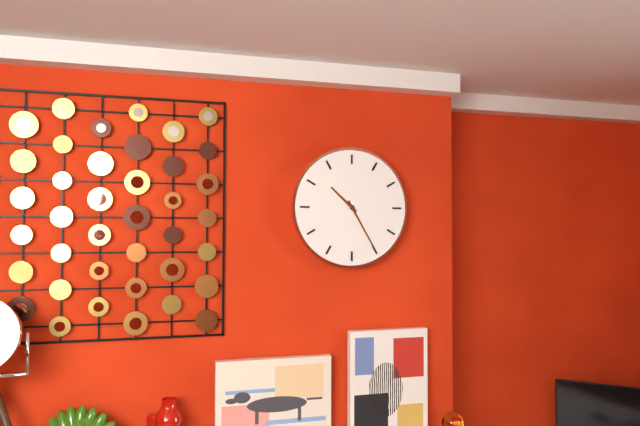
10:25
